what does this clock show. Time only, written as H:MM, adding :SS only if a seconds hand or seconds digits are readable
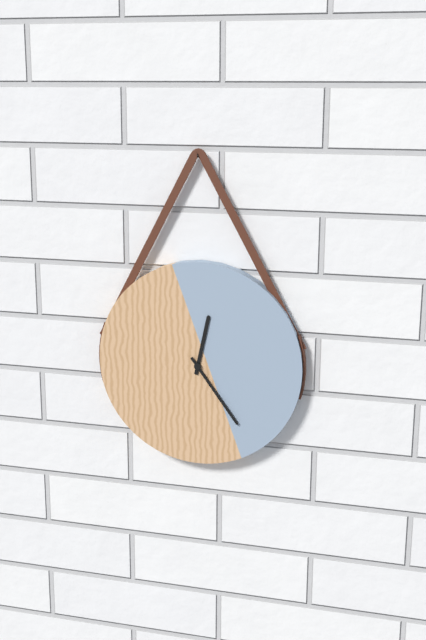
12:24
